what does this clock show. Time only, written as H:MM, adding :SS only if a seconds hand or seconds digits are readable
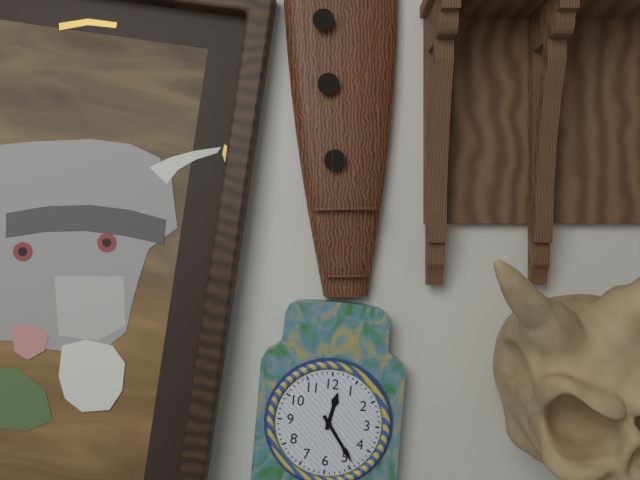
12:24
